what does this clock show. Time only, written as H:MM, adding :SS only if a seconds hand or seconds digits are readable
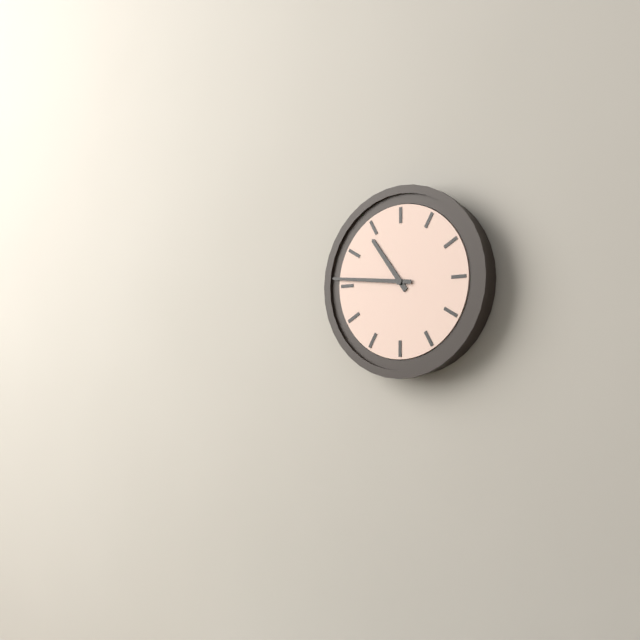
10:46
